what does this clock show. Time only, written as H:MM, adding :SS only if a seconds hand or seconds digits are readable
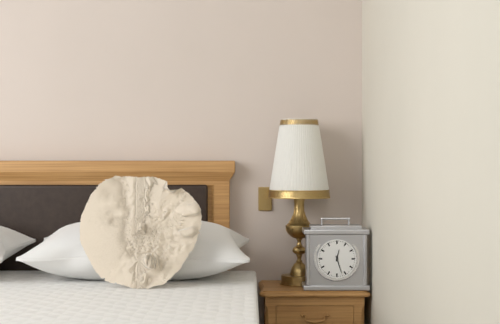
12:27
